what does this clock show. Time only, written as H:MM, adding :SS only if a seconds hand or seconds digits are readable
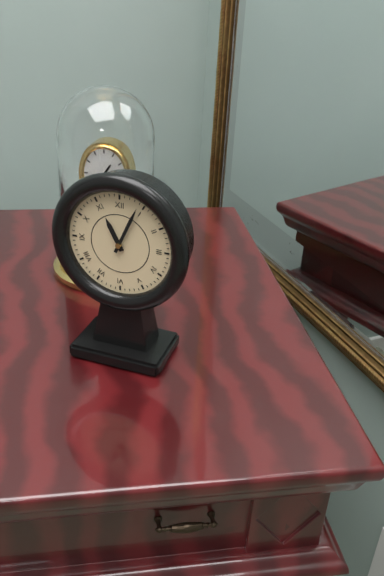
11:04
